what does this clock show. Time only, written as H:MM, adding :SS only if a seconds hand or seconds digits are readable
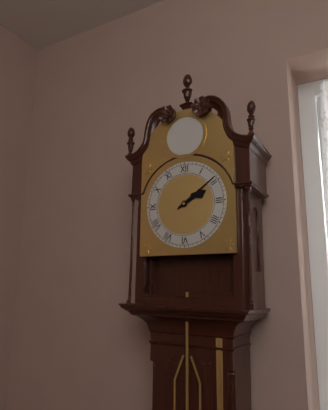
2:09
